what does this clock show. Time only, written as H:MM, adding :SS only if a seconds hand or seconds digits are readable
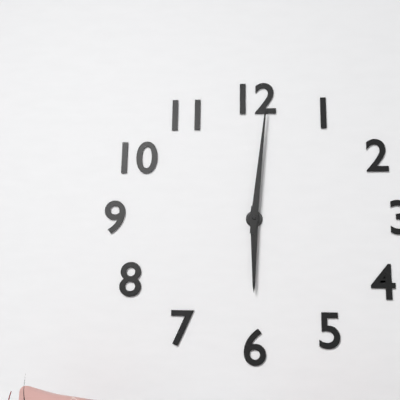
6:01
